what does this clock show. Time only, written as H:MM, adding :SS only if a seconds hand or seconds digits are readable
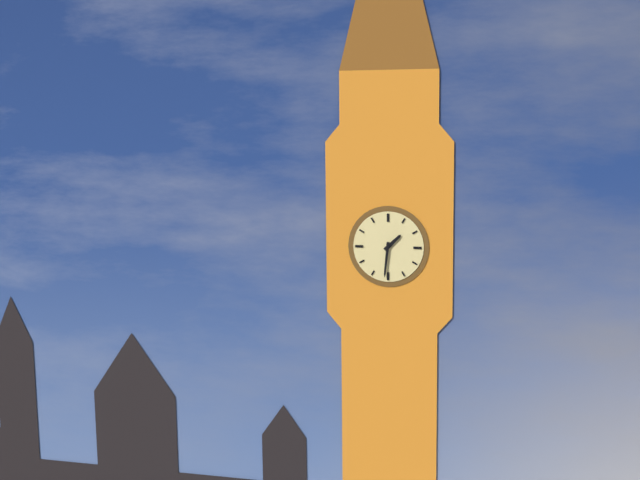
1:31
